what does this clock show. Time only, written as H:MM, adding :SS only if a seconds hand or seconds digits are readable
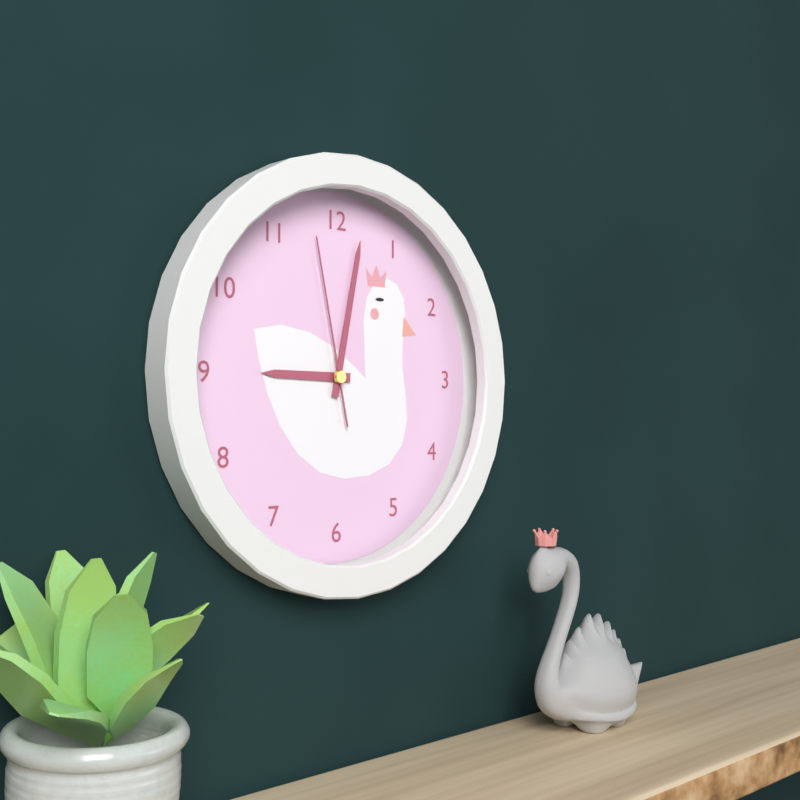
9:02:58
